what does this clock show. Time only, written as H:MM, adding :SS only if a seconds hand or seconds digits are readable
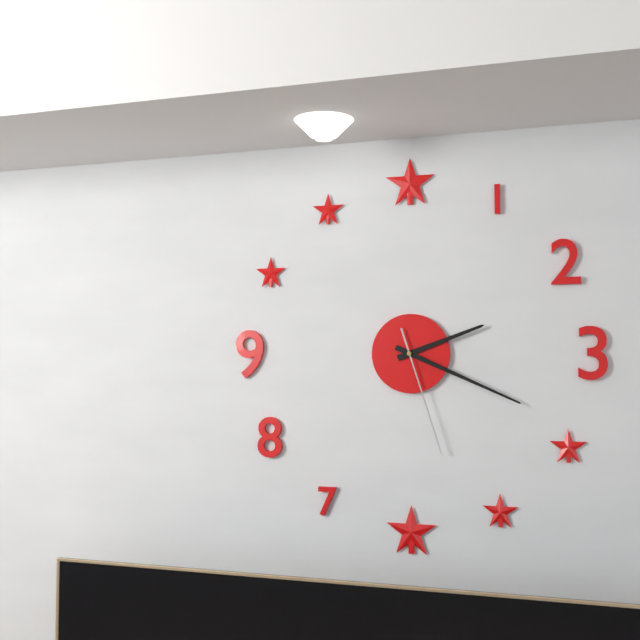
2:19:27
